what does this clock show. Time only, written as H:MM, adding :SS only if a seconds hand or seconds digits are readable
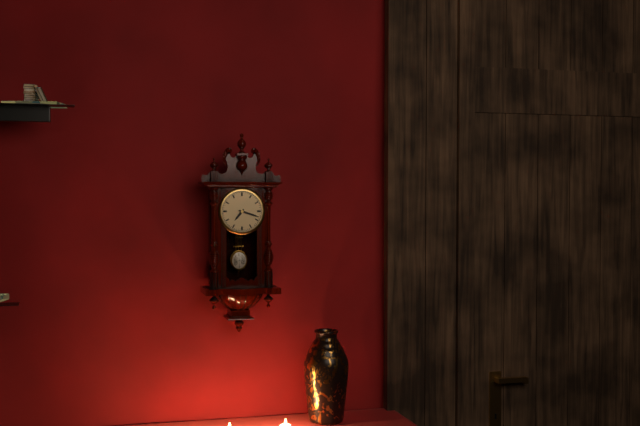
7:18
